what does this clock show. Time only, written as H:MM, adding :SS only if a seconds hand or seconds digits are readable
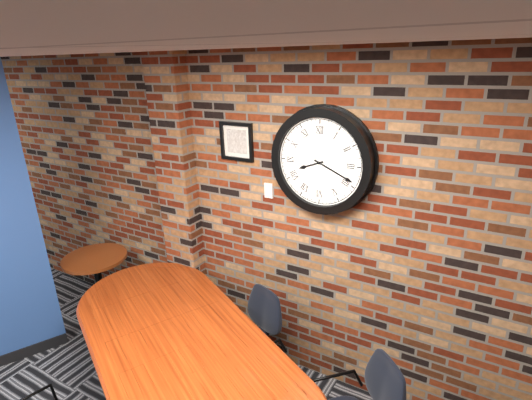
8:19
